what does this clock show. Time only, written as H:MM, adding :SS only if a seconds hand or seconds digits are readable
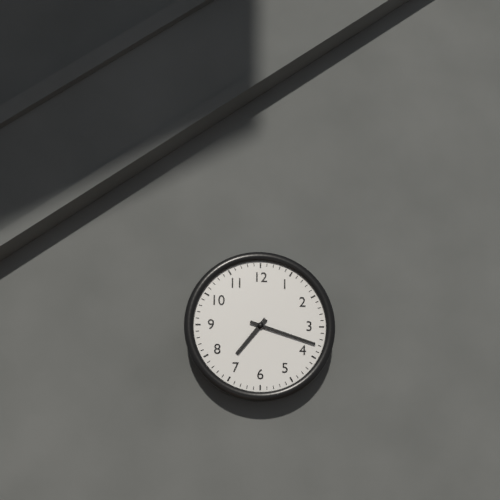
7:18
